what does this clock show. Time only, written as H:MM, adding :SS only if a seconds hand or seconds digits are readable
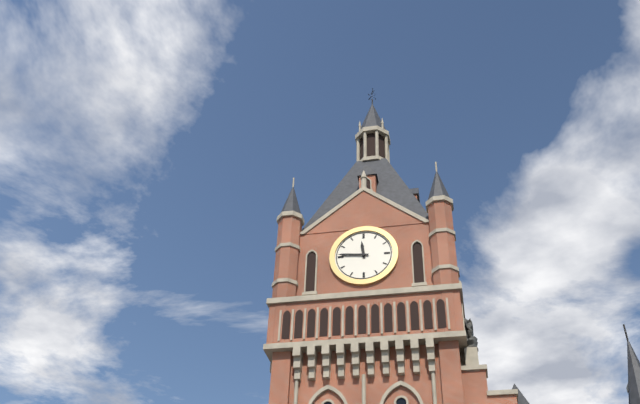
11:46
